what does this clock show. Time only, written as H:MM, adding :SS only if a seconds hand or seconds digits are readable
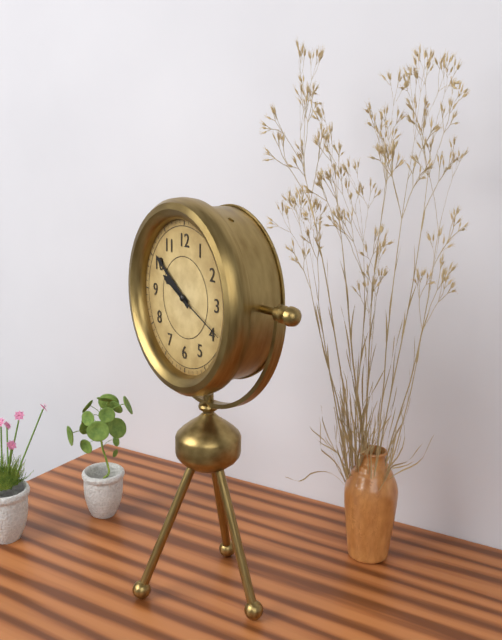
9:51:19
